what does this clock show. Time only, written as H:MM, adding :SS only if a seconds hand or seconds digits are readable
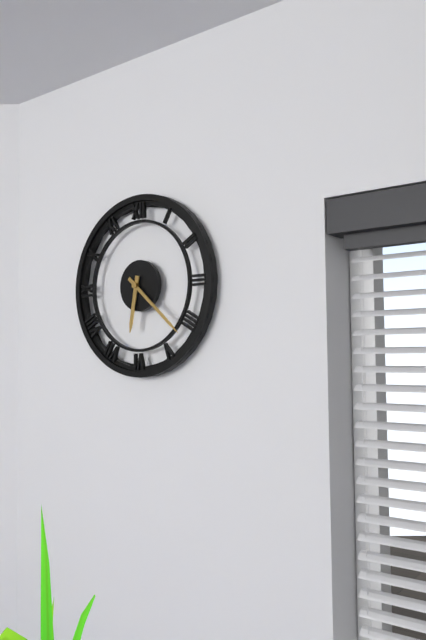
6:22
